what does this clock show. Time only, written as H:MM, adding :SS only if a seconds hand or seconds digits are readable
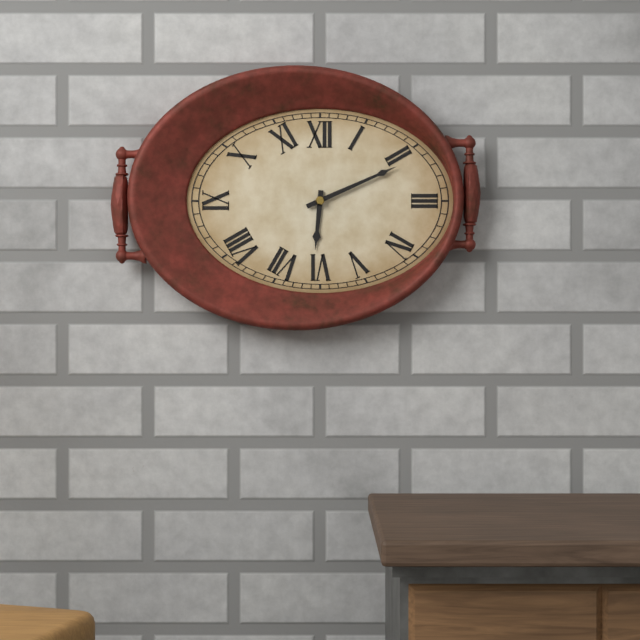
6:11
